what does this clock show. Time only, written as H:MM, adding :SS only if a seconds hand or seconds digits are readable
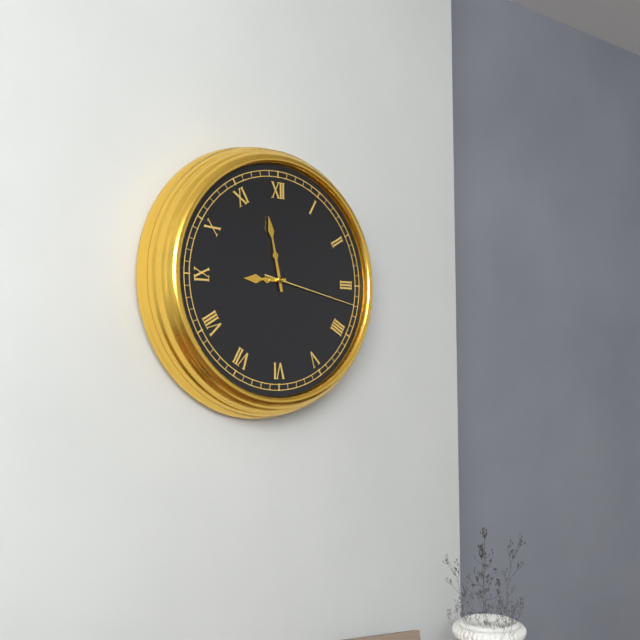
8:58:17
